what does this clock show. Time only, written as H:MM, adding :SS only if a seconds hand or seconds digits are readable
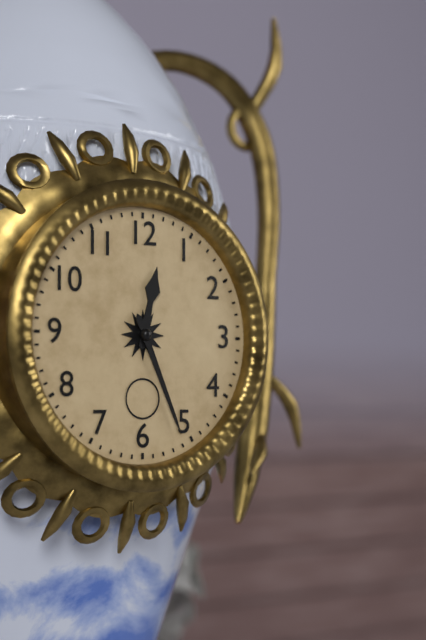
12:26
